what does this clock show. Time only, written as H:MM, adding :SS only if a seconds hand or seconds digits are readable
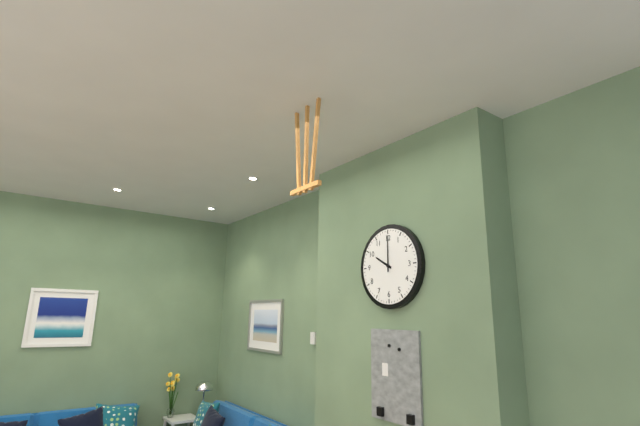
10:00
